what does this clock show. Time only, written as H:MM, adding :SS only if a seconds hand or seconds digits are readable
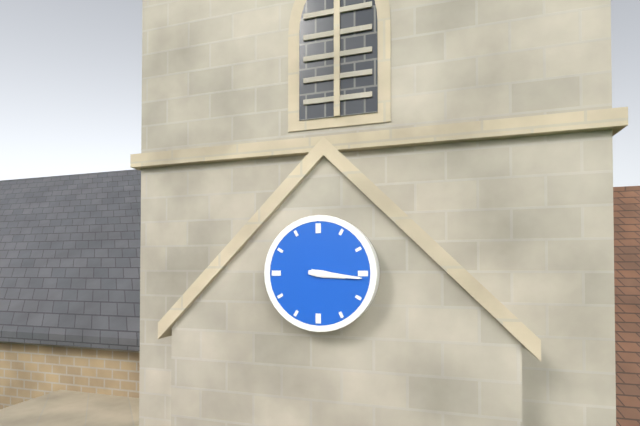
3:16
